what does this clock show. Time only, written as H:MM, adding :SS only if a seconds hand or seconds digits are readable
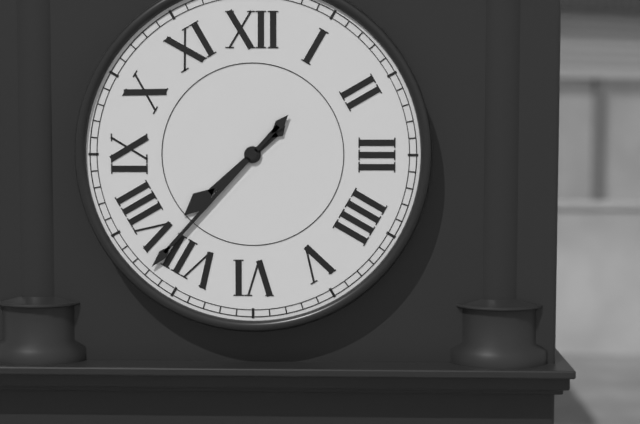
7:37
